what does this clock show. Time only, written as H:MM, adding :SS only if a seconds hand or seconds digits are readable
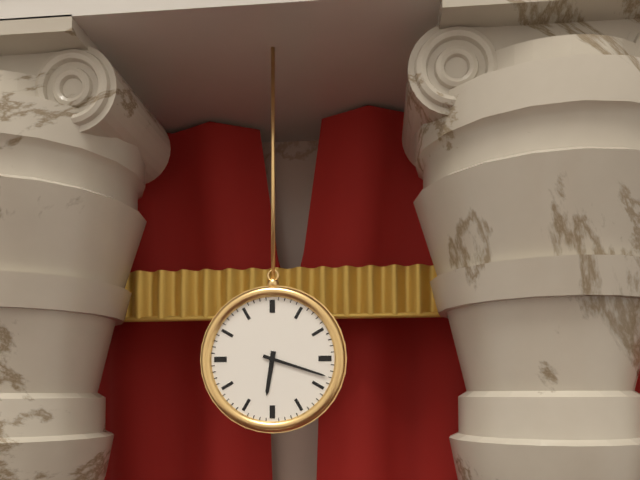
6:18
